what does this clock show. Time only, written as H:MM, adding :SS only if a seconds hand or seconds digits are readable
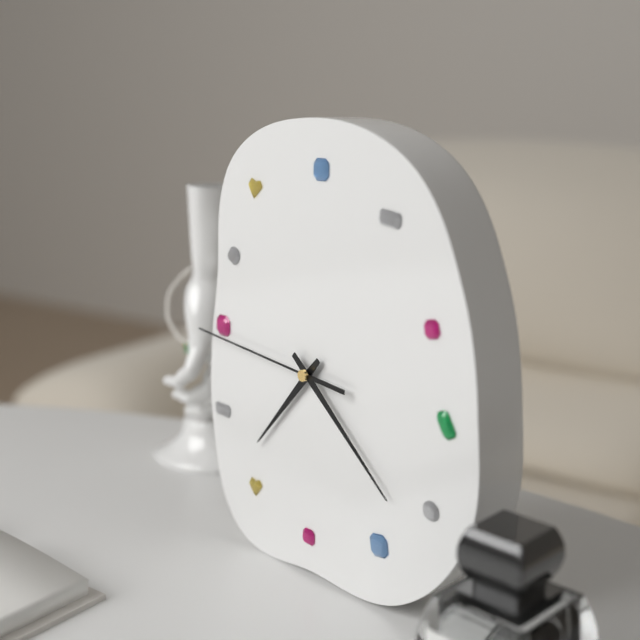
7:22:46
